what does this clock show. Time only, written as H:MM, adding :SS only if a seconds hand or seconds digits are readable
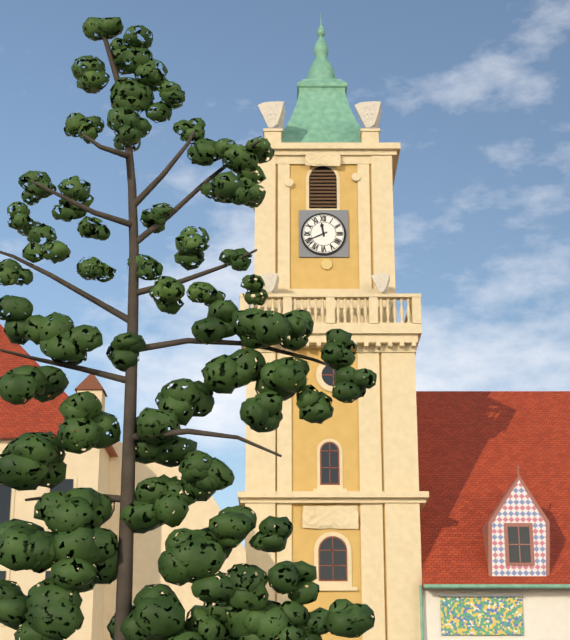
11:41
